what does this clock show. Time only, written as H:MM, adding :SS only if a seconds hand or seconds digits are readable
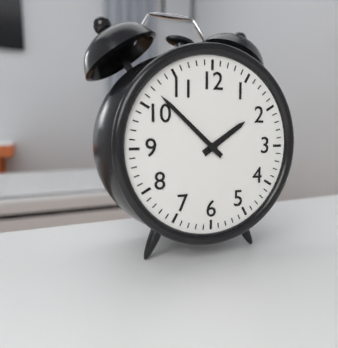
1:52
